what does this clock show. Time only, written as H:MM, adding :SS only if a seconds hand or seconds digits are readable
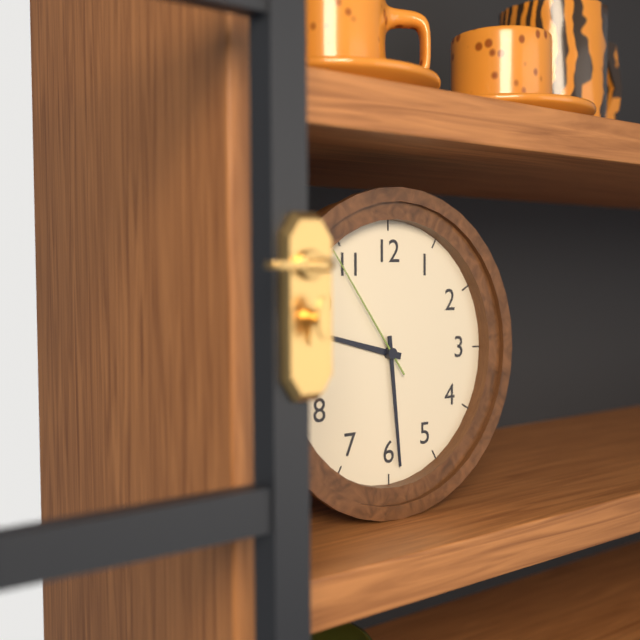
9:29:54
